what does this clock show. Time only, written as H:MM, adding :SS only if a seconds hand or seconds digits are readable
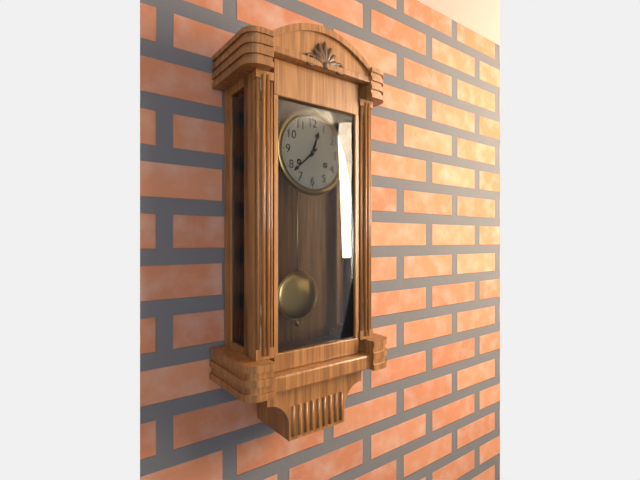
12:38
